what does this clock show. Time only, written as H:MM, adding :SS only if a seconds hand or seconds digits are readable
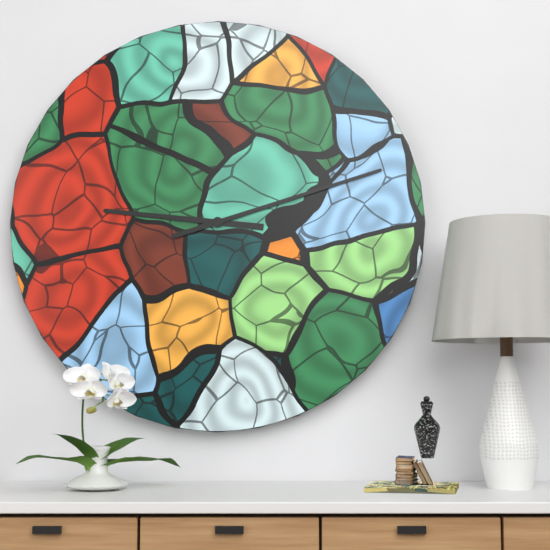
9:12
